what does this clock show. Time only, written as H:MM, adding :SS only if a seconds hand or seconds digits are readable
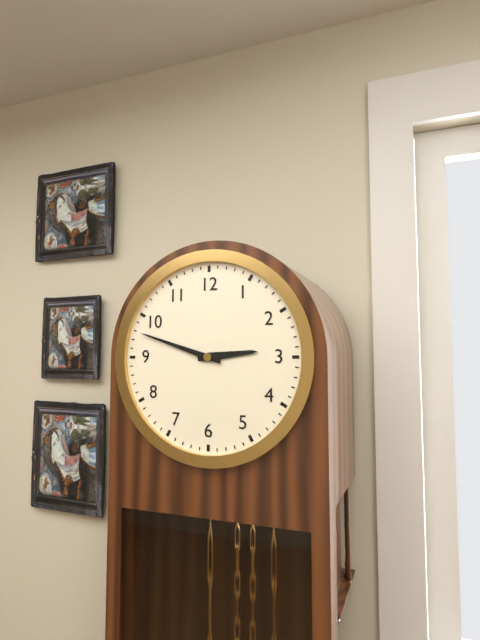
2:48
